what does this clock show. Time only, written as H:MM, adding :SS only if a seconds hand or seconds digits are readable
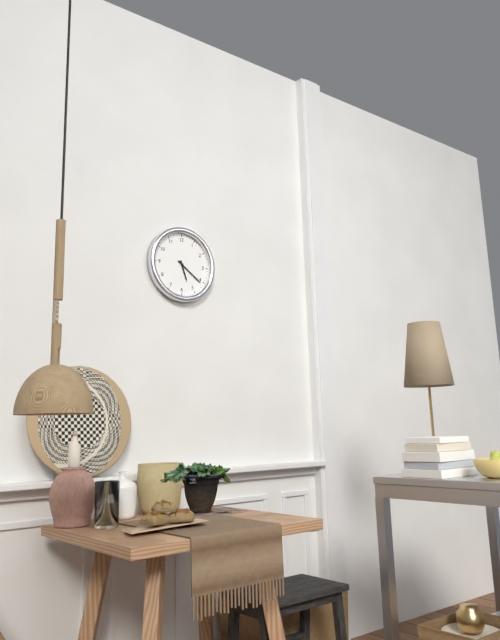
5:21
